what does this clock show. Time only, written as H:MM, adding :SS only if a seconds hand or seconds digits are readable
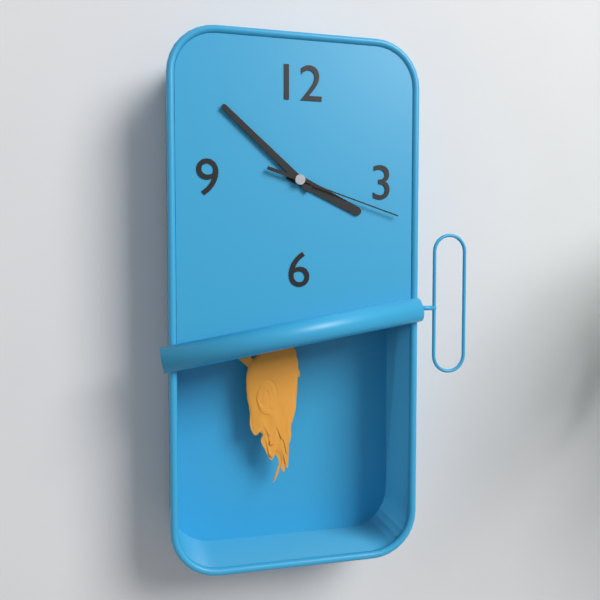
3:52:18
